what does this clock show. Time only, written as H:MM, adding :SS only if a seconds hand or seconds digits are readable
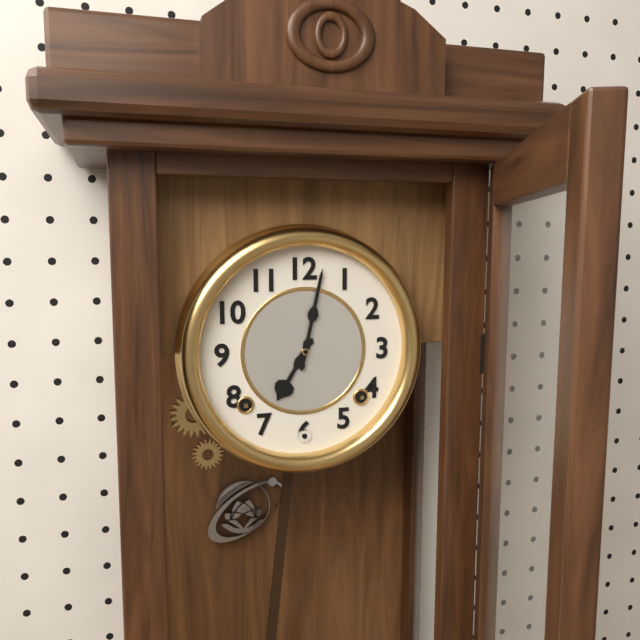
7:02
